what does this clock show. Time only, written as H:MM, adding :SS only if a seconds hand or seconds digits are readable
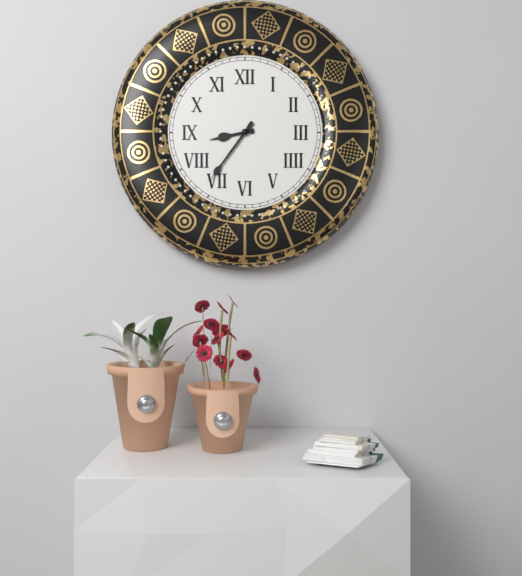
8:36
